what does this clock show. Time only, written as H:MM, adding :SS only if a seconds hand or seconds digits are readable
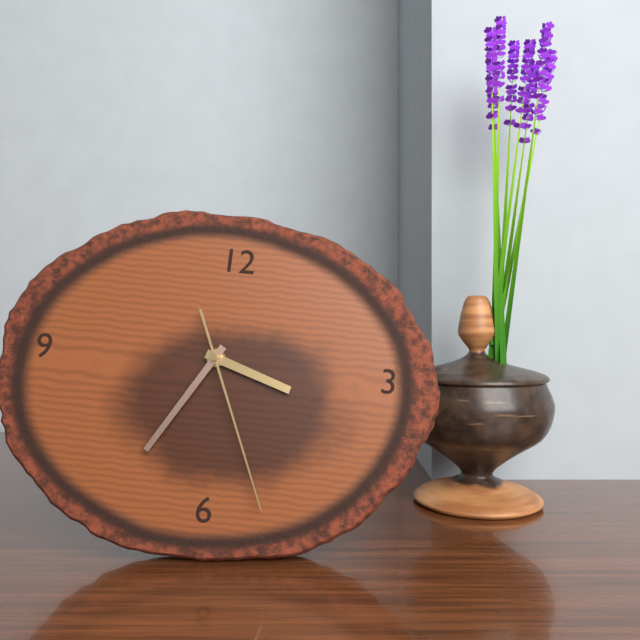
3:35:26
